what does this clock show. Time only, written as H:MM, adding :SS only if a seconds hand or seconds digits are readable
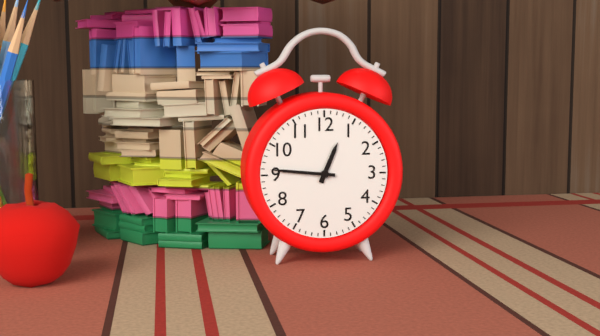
12:46
